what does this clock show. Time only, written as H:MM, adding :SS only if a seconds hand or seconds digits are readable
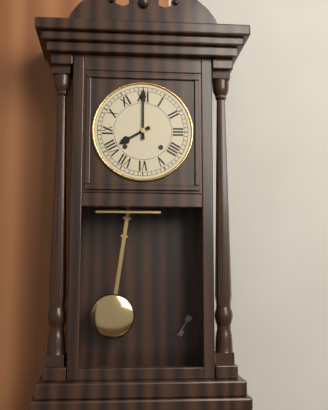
8:00
